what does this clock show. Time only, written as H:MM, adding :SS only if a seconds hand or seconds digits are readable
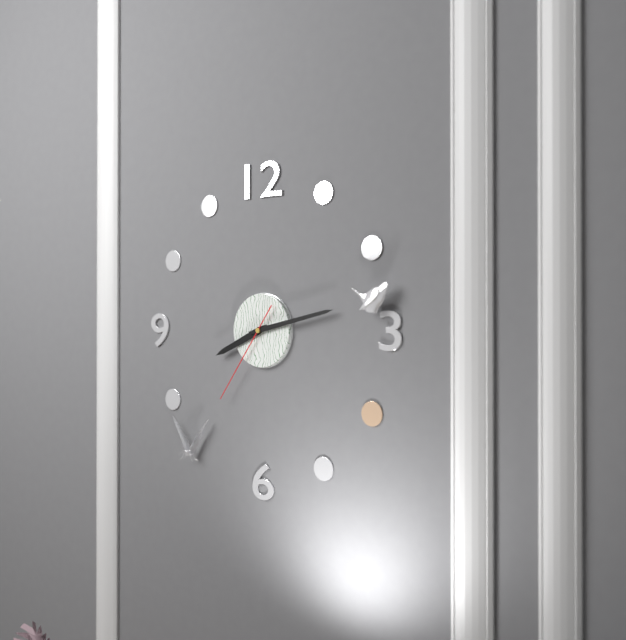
8:13:36
